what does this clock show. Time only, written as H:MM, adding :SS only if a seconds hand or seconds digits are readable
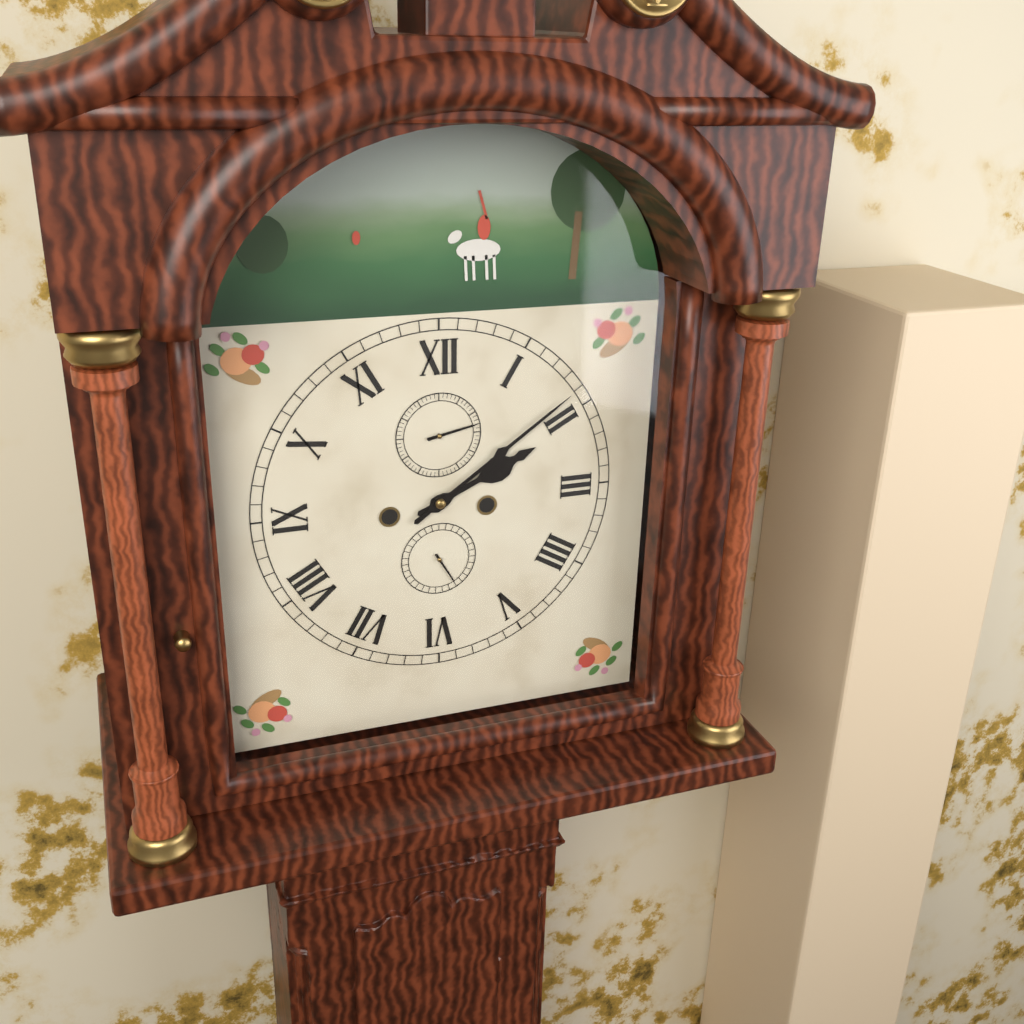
2:09:13
